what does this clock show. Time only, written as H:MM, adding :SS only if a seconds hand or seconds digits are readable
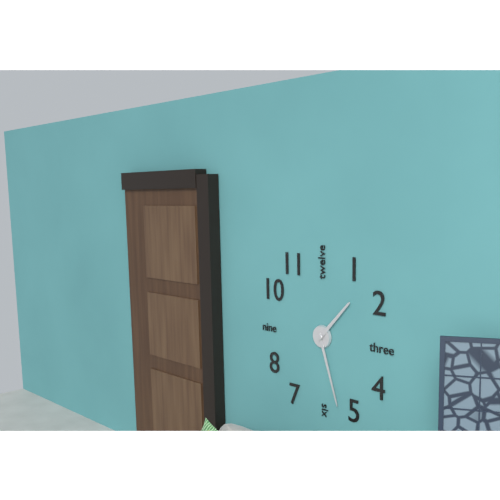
1:27
